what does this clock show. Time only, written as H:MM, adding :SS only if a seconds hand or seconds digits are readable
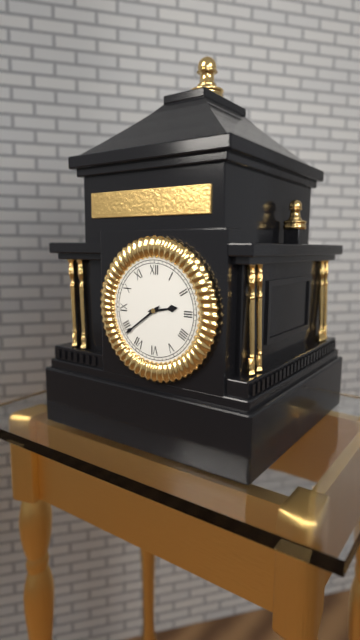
2:39
